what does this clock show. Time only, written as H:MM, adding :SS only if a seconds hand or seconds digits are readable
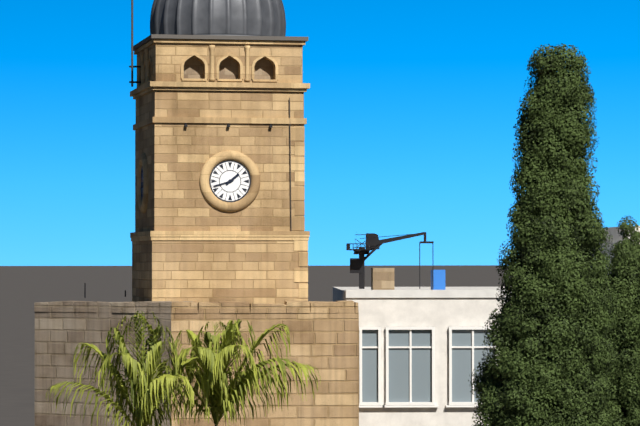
1:42
